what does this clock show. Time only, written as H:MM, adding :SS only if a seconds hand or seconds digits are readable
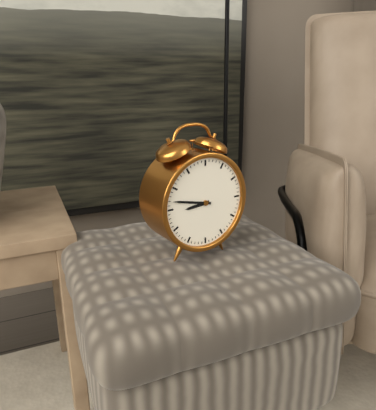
8:47
